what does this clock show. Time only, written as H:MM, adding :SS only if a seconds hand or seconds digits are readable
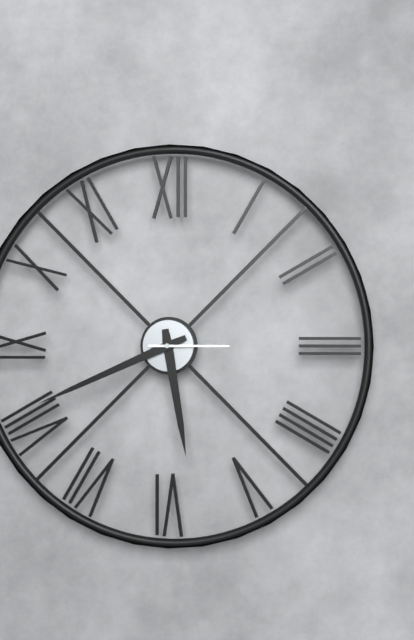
5:41:15
